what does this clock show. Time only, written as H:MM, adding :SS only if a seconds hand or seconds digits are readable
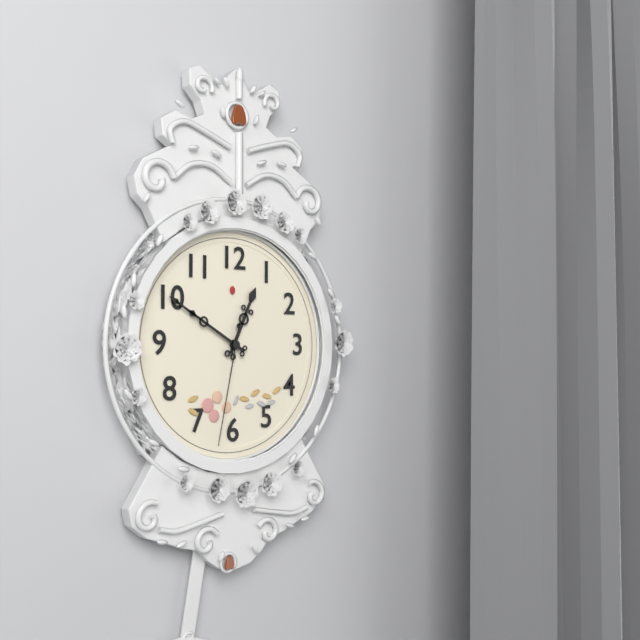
12:50:32
